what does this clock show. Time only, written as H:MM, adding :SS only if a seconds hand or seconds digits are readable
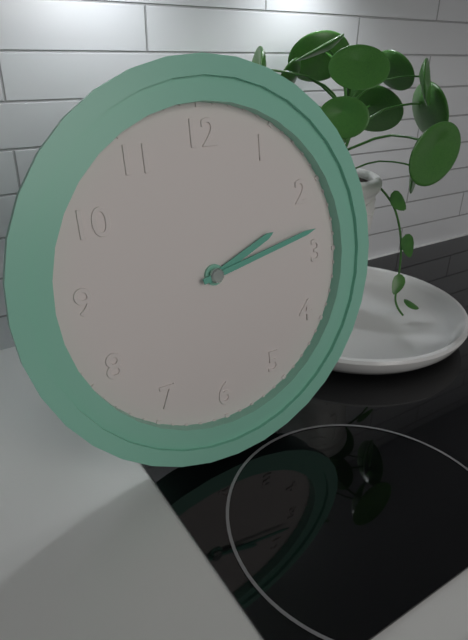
2:13
